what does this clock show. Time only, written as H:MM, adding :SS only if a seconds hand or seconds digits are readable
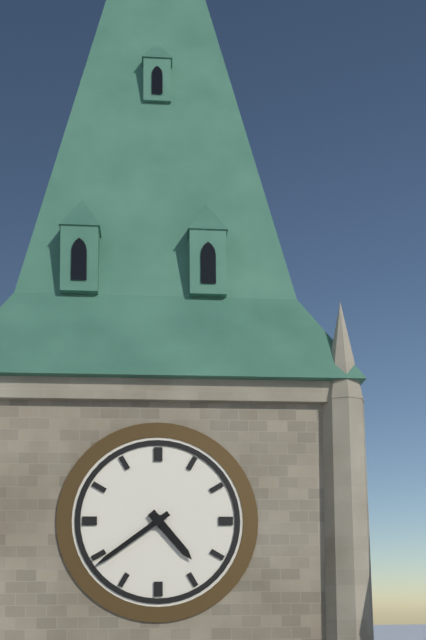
4:39
